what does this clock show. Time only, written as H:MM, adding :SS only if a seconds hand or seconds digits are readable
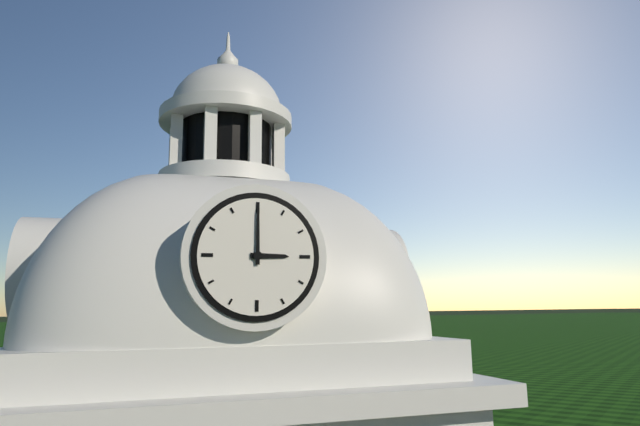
3:00
